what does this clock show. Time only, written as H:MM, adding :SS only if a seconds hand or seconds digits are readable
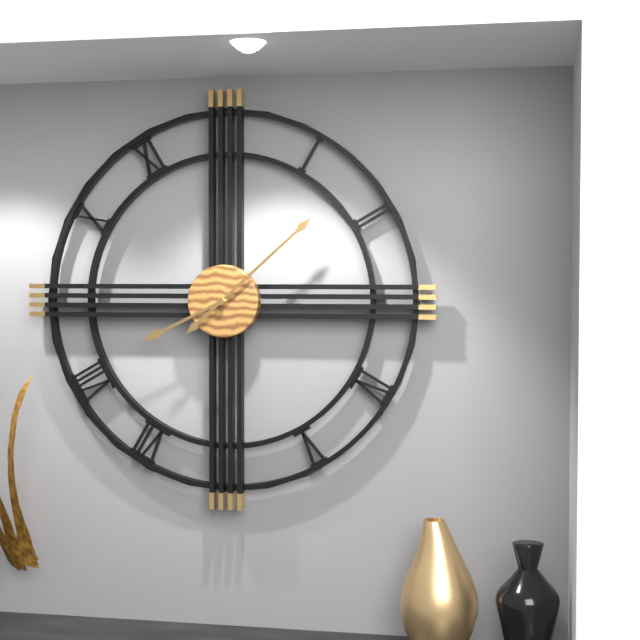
8:08
